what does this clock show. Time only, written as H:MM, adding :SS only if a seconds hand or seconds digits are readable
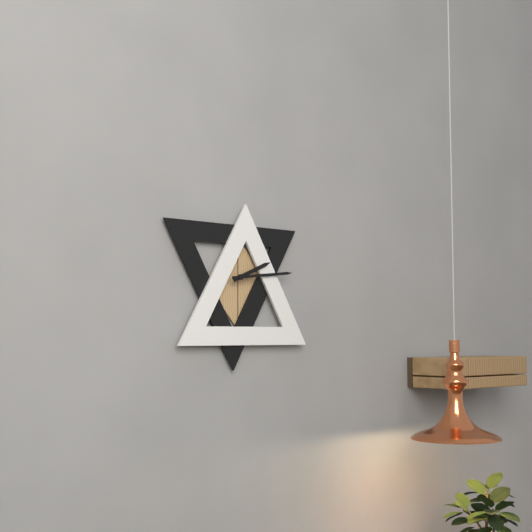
2:14
